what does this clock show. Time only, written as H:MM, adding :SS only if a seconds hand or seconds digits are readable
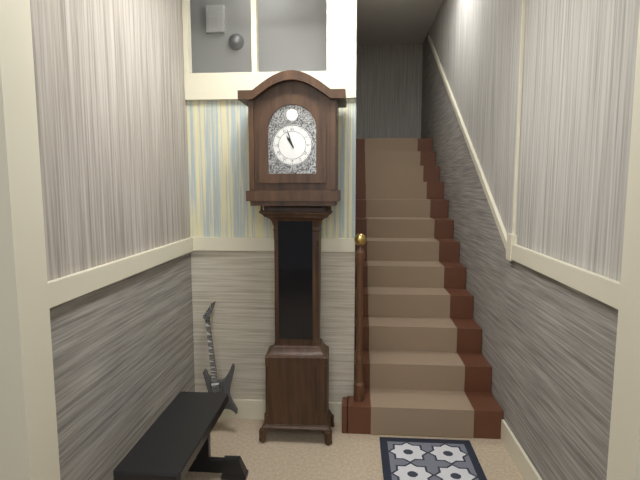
10:57
